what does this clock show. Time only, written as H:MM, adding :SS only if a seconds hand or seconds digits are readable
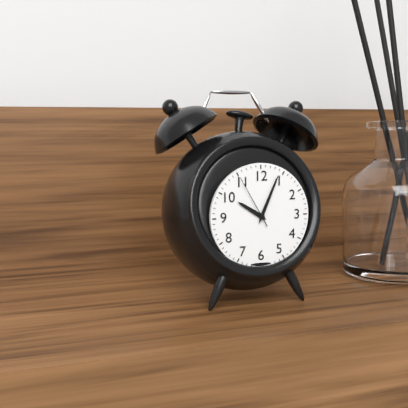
10:04:55
